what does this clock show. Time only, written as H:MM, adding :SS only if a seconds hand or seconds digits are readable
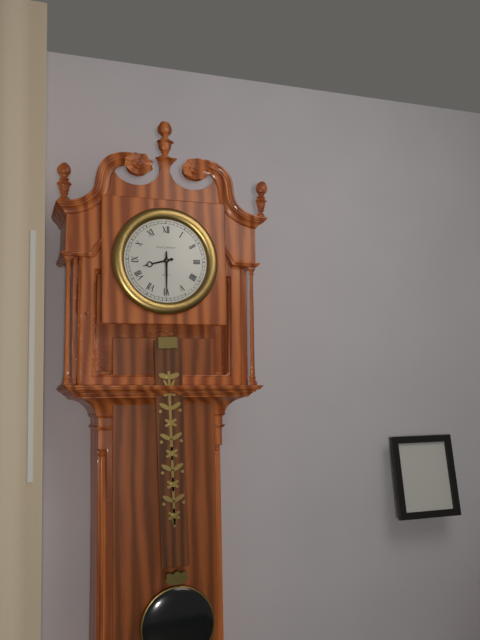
8:30
